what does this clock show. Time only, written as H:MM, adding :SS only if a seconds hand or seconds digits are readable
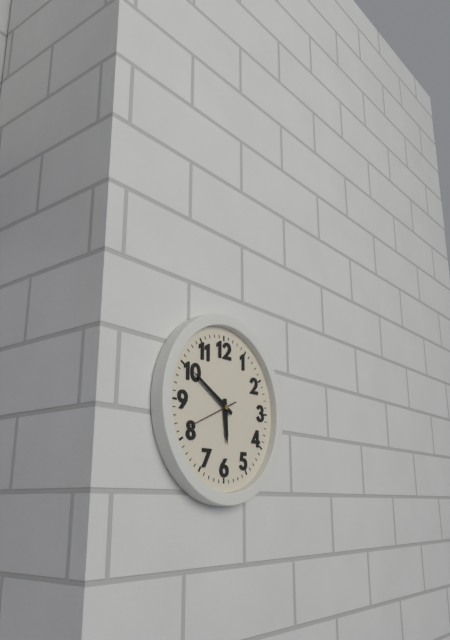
5:50:41
